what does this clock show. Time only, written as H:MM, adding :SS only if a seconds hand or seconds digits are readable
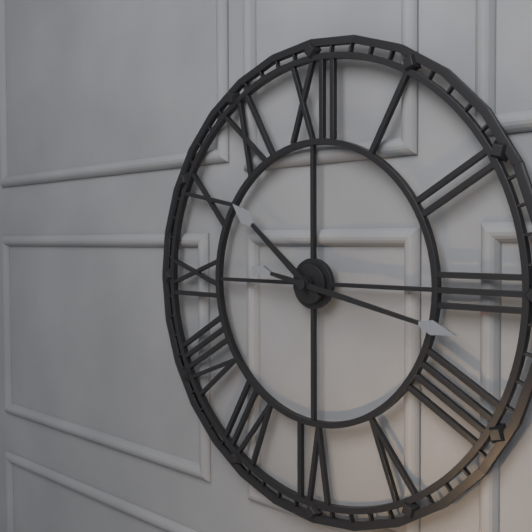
10:17
